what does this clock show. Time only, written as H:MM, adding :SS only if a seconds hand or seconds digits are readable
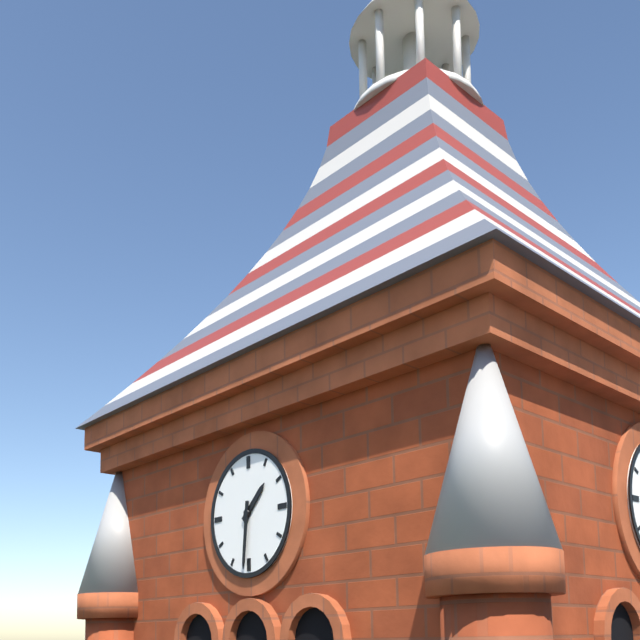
1:31
